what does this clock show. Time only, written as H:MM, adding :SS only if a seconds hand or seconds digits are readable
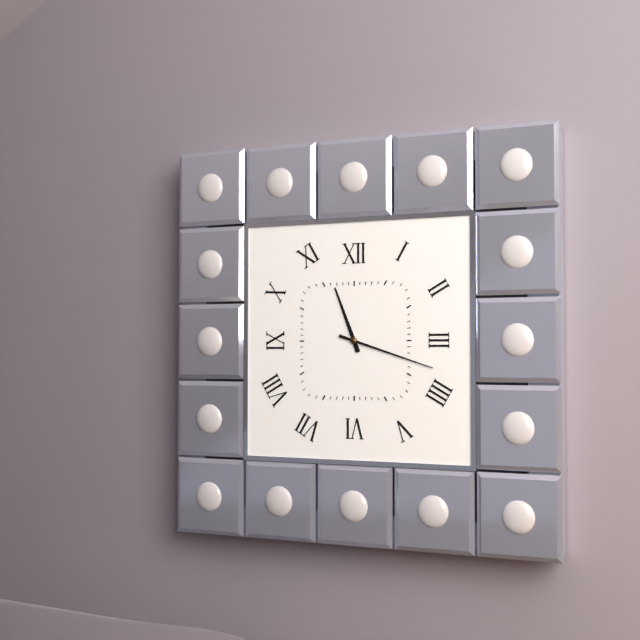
11:18
